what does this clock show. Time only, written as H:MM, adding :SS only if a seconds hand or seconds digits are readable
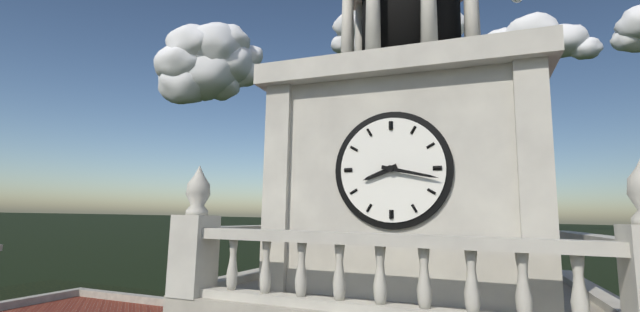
8:17
